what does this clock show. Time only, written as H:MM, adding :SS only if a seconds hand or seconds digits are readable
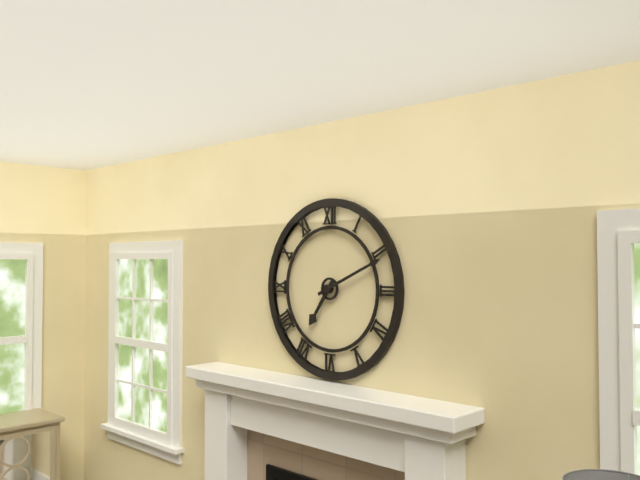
7:11
